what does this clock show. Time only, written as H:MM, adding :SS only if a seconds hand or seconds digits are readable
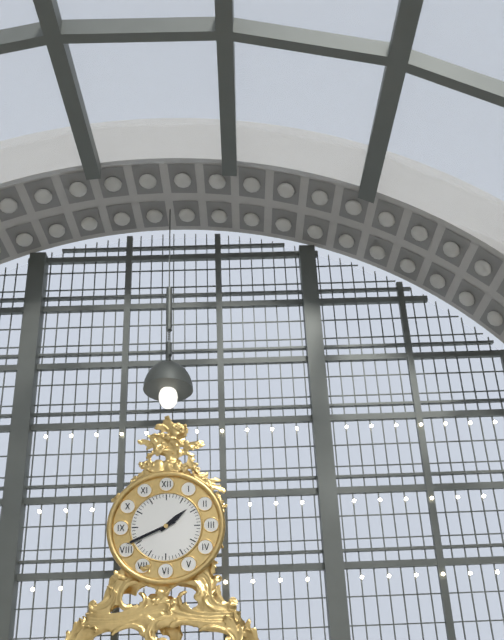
1:41
